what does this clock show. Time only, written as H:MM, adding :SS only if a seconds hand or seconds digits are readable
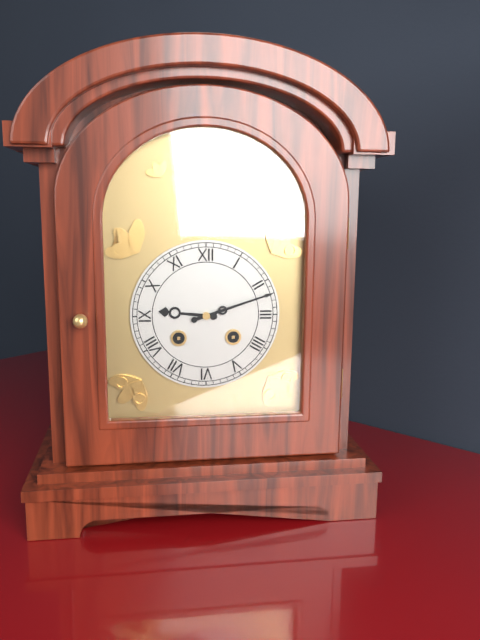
9:12
